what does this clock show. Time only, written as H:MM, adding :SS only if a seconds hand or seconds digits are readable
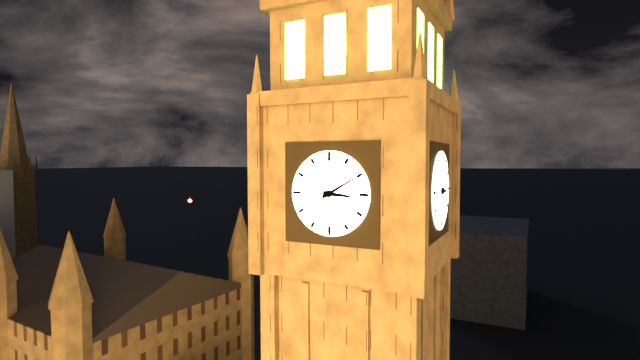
3:10
